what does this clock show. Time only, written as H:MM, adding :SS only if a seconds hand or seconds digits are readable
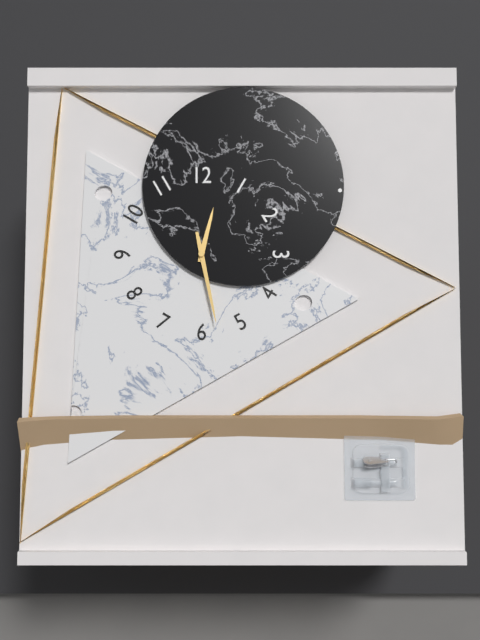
12:28
